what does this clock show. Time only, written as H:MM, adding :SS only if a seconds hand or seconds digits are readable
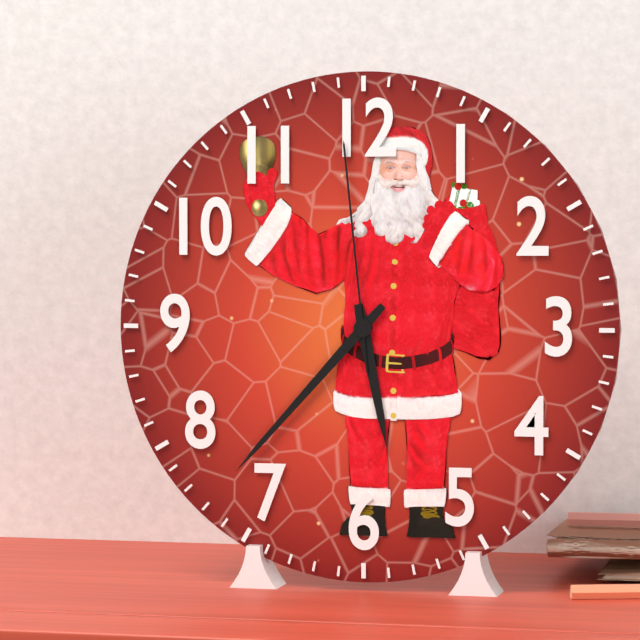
5:37:59
